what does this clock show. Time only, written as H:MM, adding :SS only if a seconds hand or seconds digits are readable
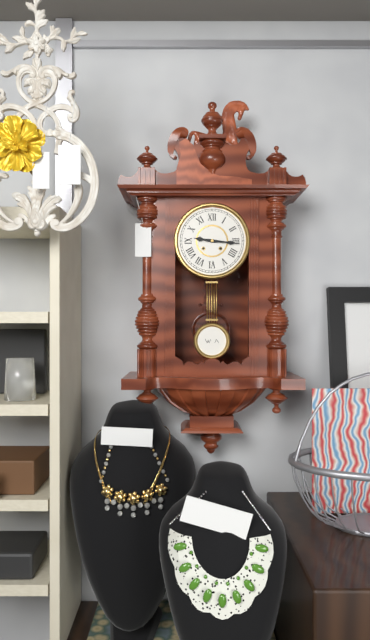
9:16
